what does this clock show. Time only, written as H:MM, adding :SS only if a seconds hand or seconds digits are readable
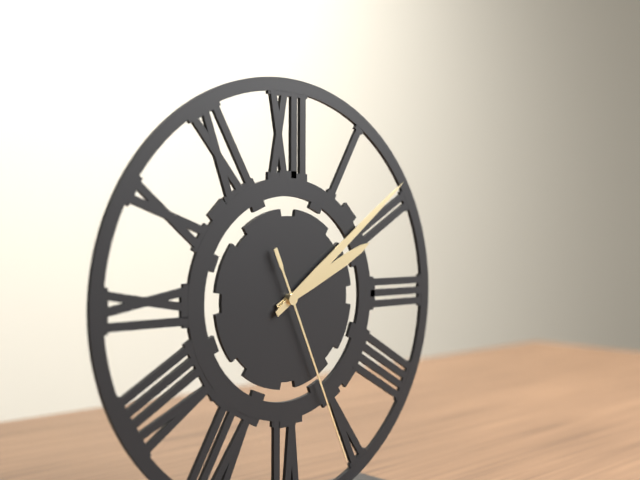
2:09:26
